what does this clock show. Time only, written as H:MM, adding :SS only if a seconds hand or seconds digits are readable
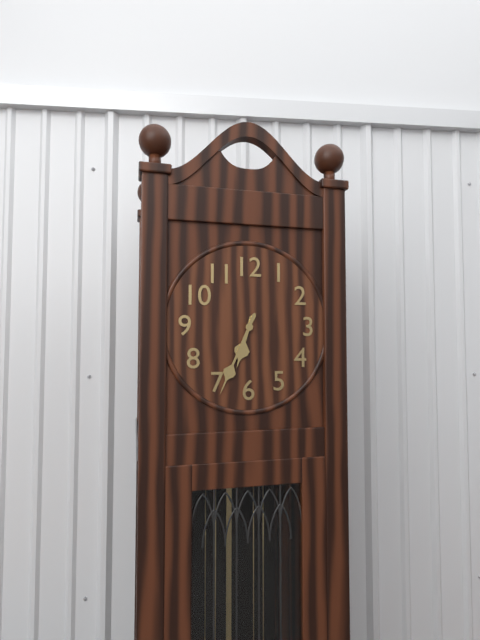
6:34
